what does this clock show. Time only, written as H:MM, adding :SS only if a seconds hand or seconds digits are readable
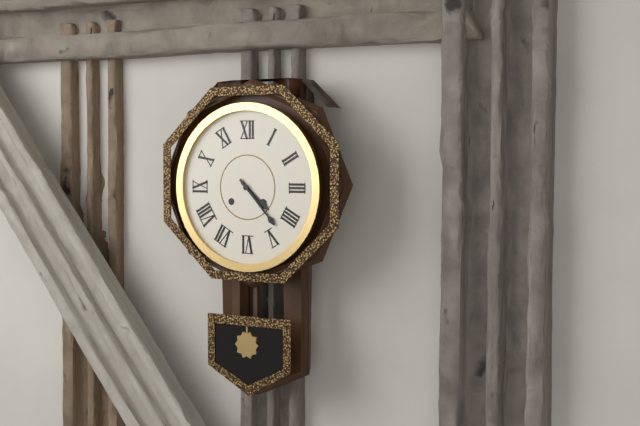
4:23
